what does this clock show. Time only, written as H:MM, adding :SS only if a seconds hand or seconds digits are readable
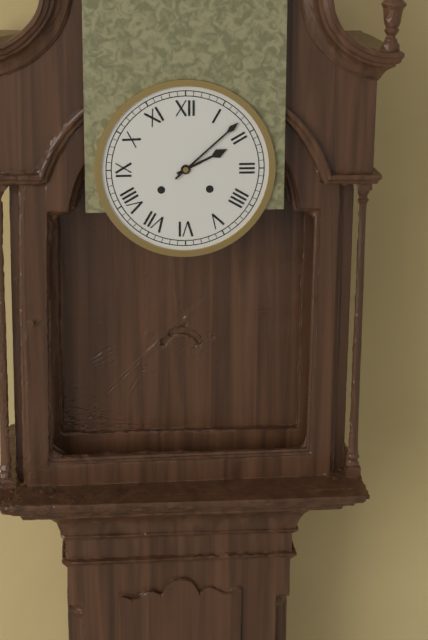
2:08
